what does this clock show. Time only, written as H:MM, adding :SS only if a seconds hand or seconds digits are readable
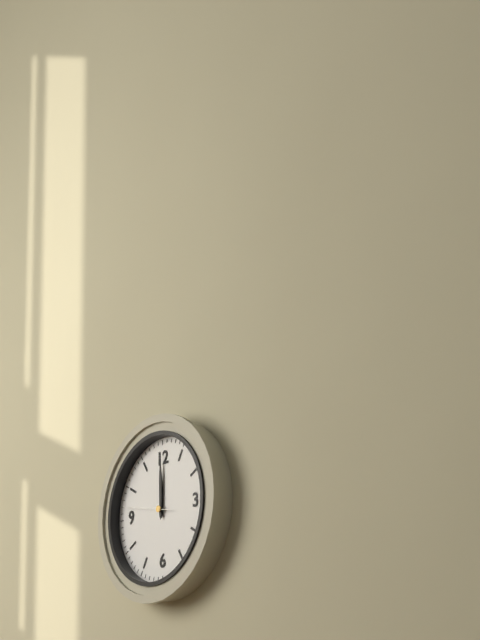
12:00
